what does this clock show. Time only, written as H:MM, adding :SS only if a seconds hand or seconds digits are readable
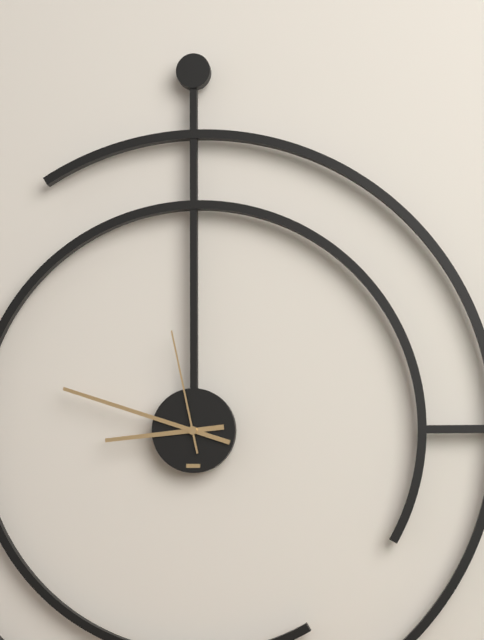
8:48:58
